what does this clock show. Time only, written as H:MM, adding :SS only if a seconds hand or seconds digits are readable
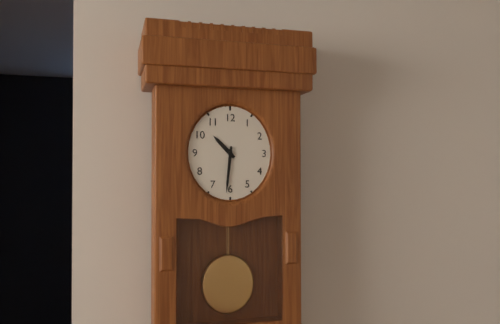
10:31
